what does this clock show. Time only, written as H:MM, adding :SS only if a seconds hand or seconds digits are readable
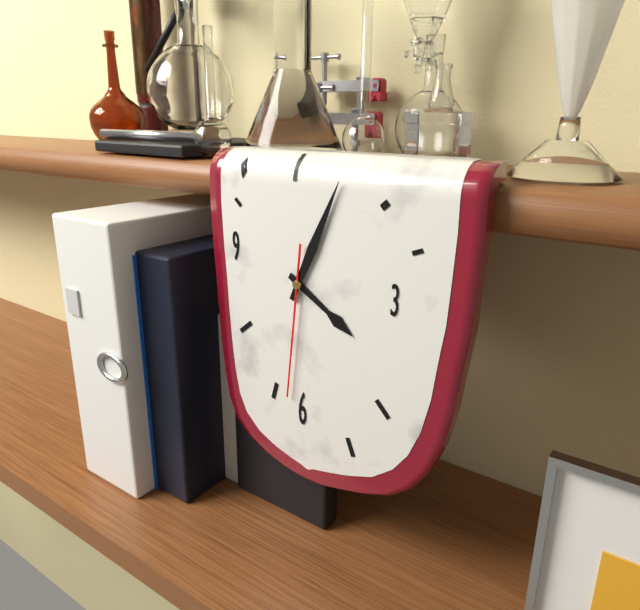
4:04:31
